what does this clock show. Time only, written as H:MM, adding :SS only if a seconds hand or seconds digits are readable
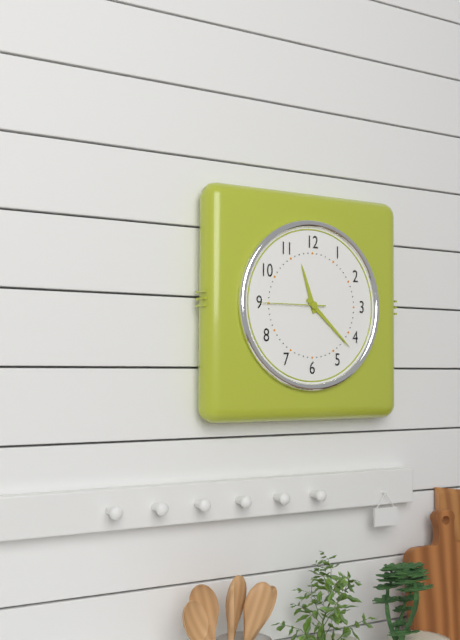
11:22:45
